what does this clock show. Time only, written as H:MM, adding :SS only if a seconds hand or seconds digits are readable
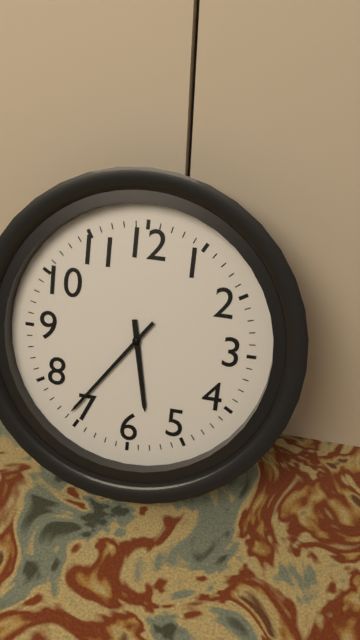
5:36
